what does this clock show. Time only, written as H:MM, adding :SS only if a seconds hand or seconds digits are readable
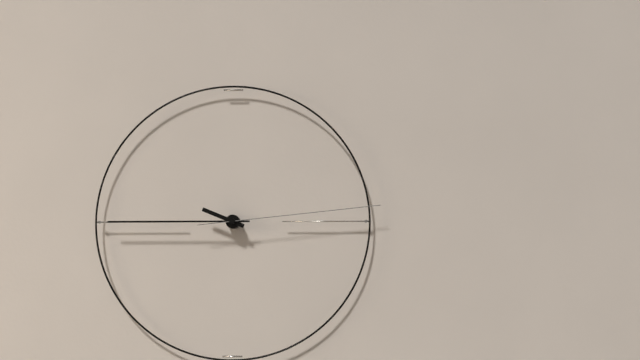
9:45:14
